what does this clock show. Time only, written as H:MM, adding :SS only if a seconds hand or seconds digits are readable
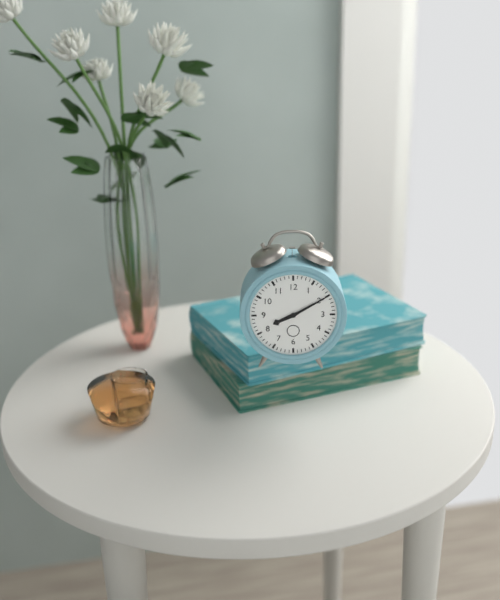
8:10
